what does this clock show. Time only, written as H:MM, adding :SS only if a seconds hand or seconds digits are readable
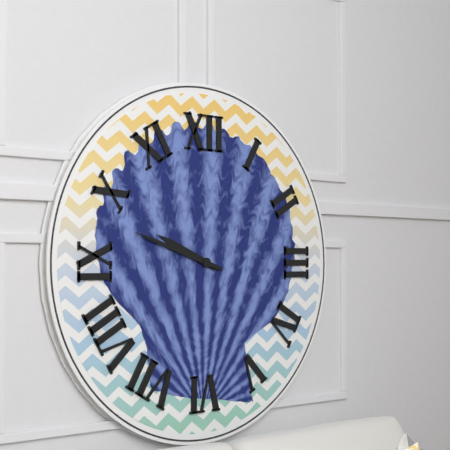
9:48
